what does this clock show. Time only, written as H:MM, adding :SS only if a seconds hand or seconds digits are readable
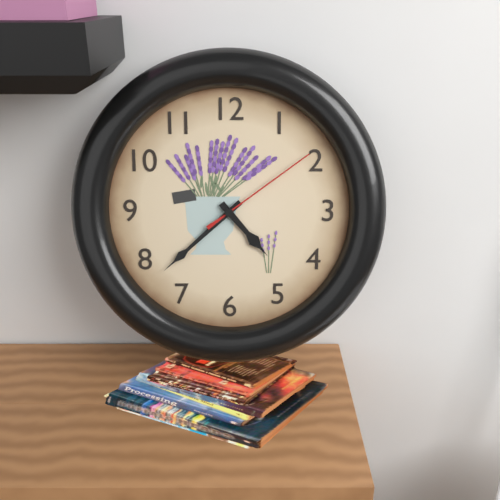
4:38:09
